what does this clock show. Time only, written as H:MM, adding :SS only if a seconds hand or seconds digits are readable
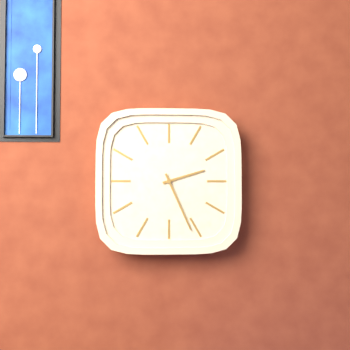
2:26
